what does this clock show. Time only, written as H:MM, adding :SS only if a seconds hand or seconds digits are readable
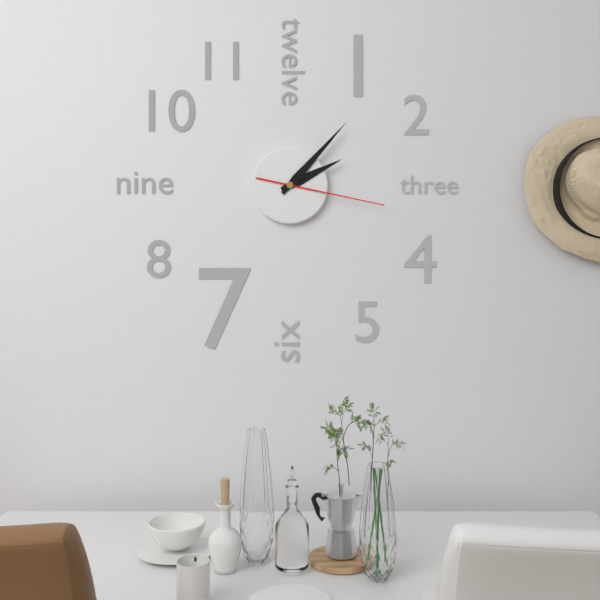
2:07:17
